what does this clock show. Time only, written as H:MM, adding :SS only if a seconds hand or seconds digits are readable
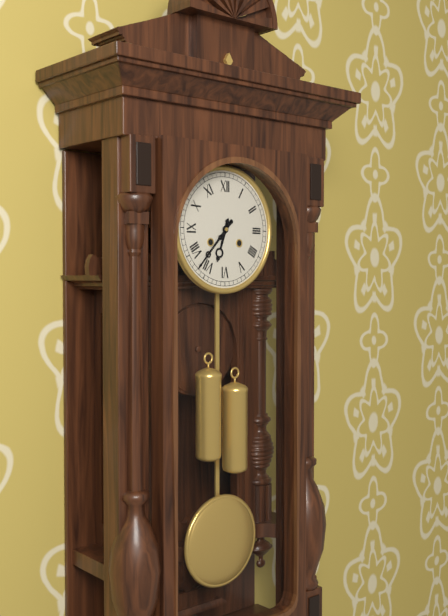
6:37
